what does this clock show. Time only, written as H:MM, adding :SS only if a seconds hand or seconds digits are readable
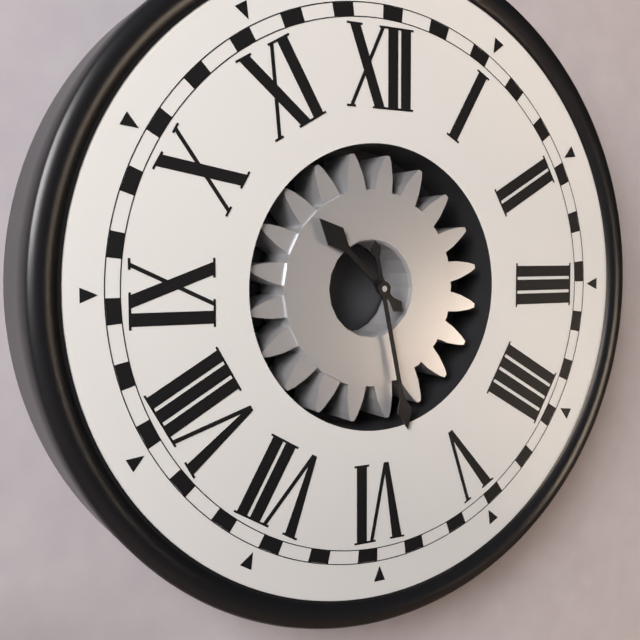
10:28
